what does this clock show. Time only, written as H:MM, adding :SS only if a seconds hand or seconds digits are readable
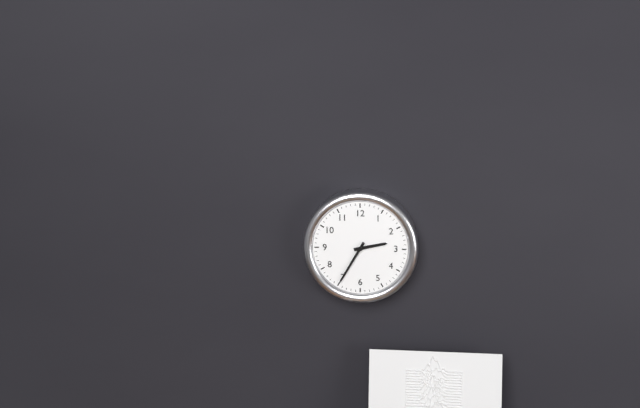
2:35
